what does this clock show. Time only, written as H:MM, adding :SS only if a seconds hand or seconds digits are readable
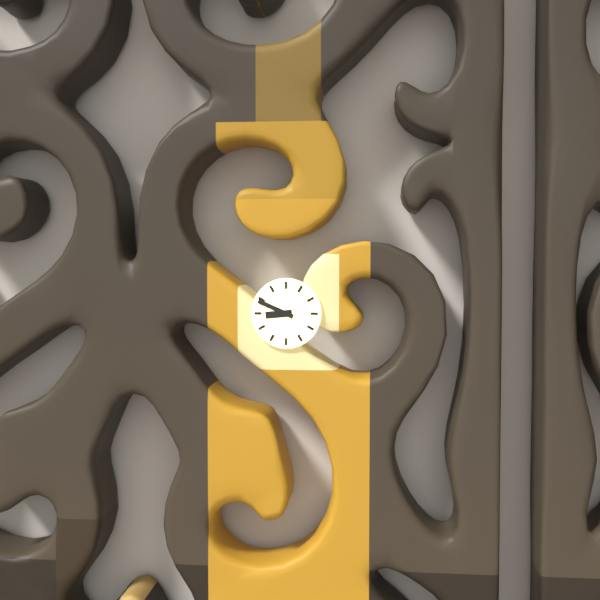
8:49
